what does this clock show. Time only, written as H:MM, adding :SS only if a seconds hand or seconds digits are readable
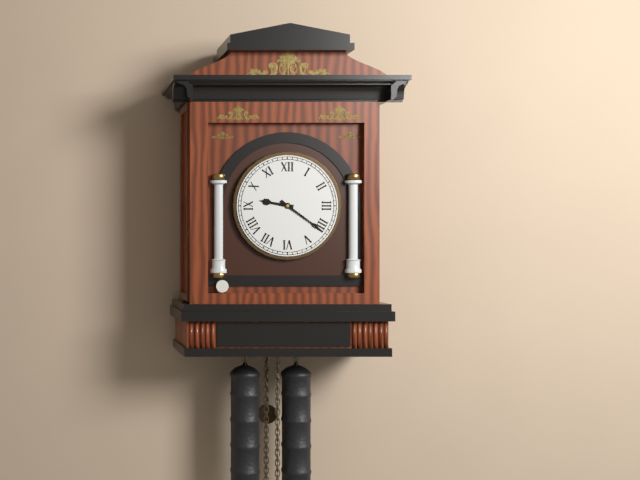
9:21
